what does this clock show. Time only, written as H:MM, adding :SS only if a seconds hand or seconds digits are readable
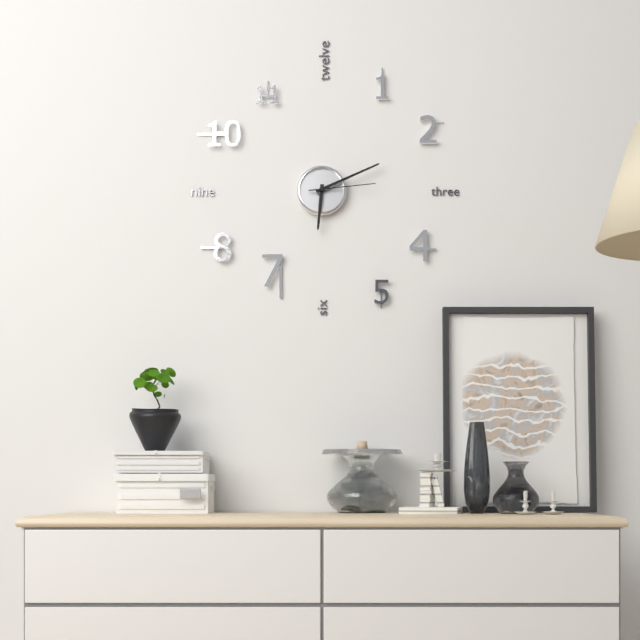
6:11:14
